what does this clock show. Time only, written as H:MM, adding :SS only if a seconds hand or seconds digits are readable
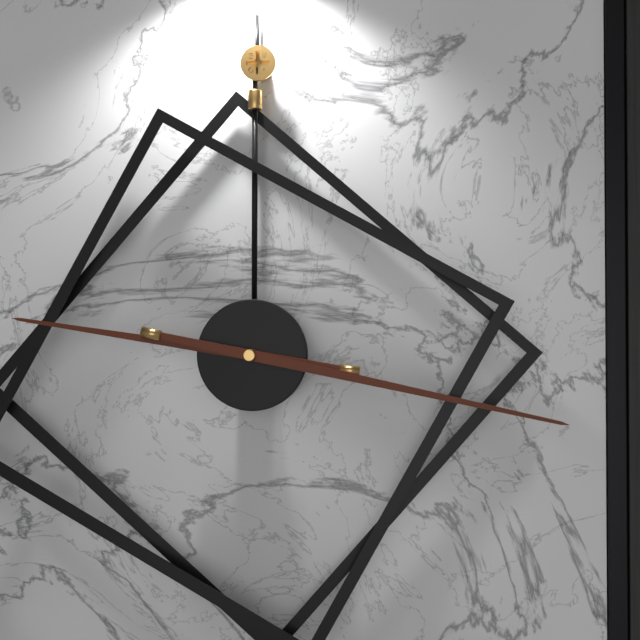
9:17
